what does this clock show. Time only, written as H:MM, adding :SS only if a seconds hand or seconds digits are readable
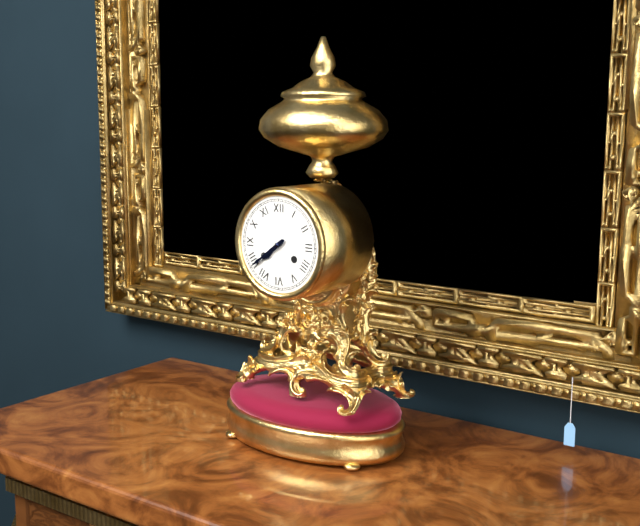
7:39
